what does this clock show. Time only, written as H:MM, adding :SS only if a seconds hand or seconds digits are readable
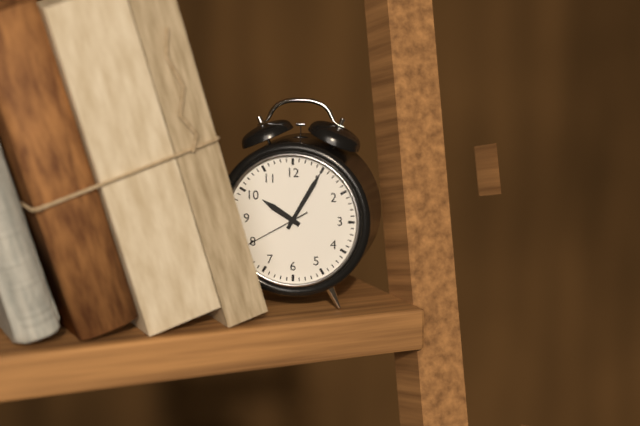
10:05:40
